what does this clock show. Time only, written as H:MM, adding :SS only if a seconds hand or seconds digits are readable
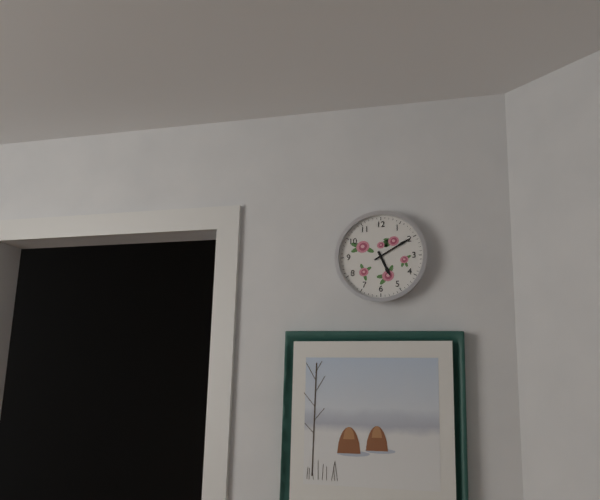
5:10
